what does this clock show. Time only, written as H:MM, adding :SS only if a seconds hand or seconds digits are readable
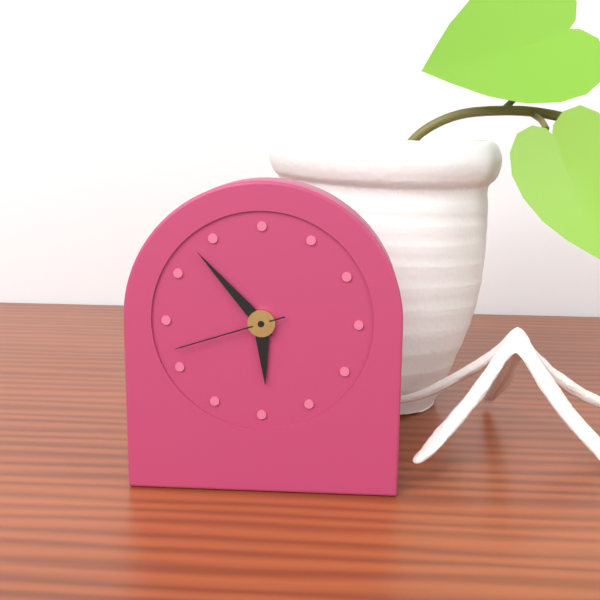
5:53:42
